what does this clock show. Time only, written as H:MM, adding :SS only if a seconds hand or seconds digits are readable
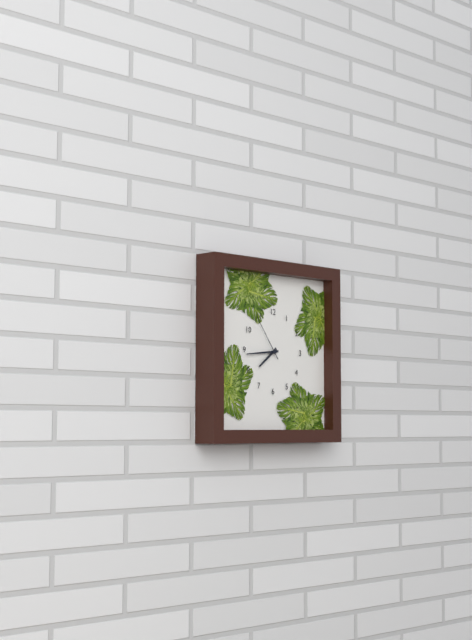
7:44
